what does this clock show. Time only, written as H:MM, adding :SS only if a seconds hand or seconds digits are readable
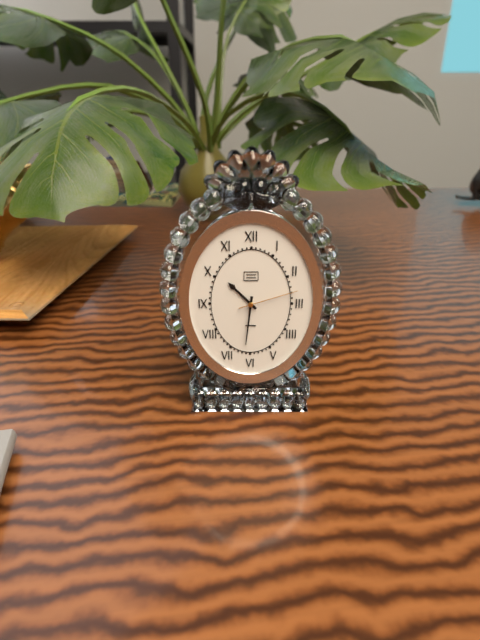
10:31:12
